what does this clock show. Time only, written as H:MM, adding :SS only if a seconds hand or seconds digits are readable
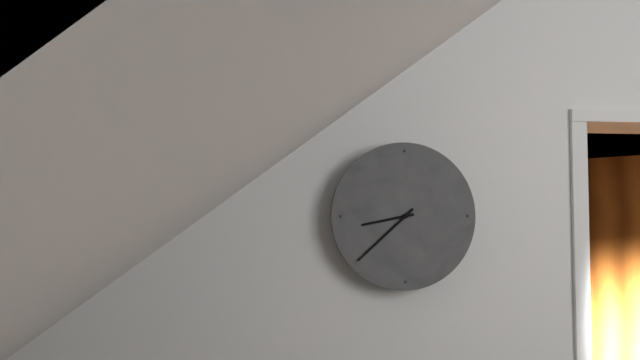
8:38
